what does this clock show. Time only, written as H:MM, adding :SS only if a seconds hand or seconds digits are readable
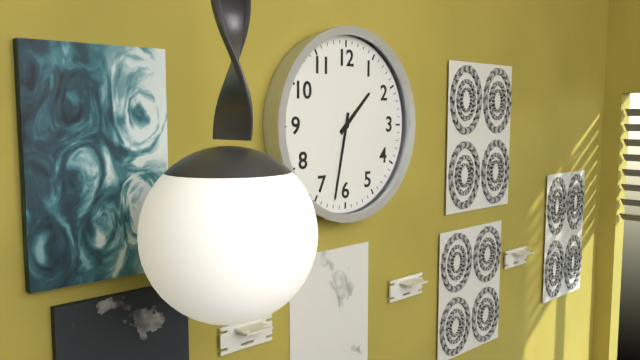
1:32
